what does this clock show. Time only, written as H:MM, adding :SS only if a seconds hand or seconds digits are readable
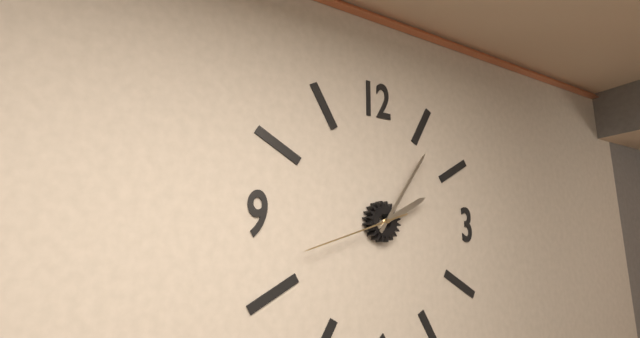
2:06:42
